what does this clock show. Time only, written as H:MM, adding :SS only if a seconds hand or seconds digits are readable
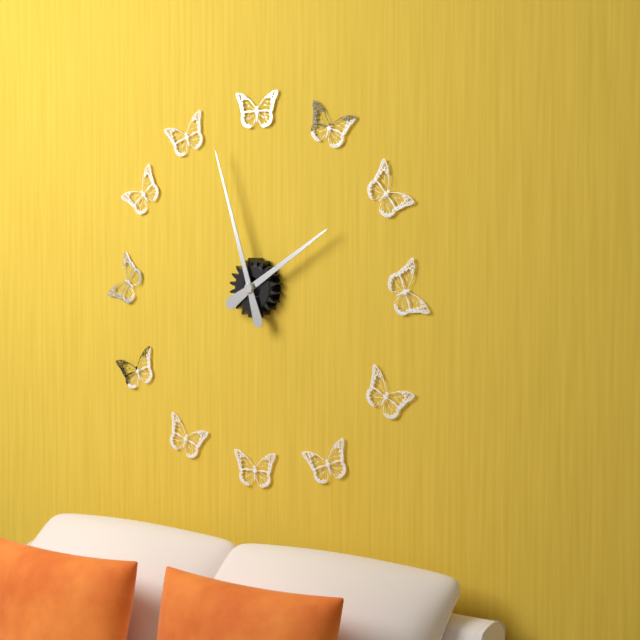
1:57
